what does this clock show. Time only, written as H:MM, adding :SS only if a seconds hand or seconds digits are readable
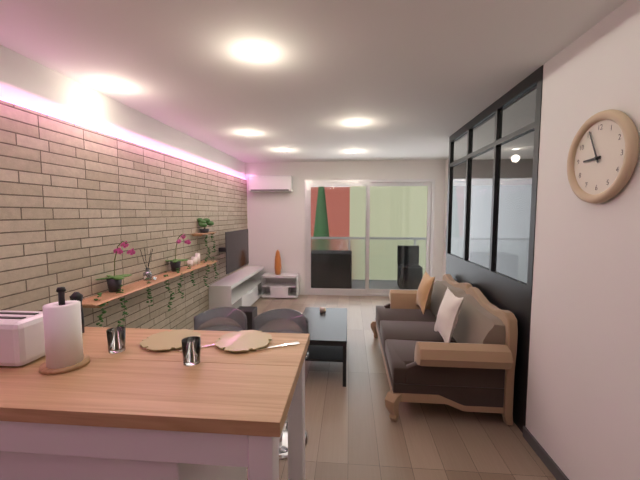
8:56
